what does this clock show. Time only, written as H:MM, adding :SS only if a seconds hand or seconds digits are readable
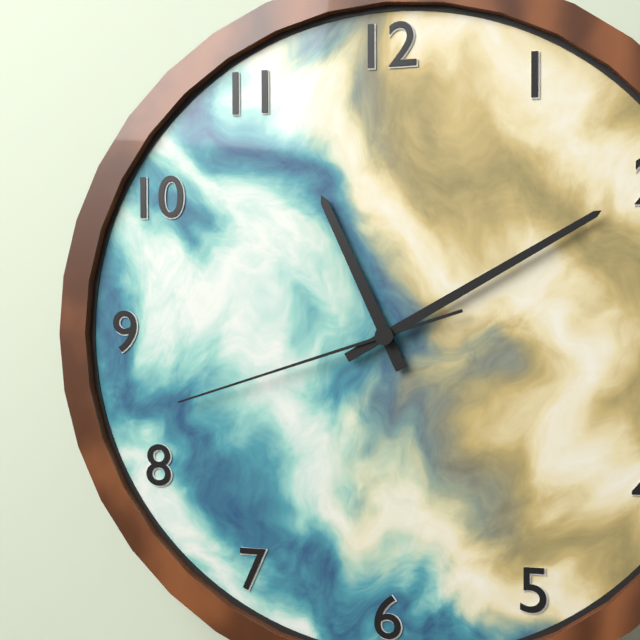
11:10:42
